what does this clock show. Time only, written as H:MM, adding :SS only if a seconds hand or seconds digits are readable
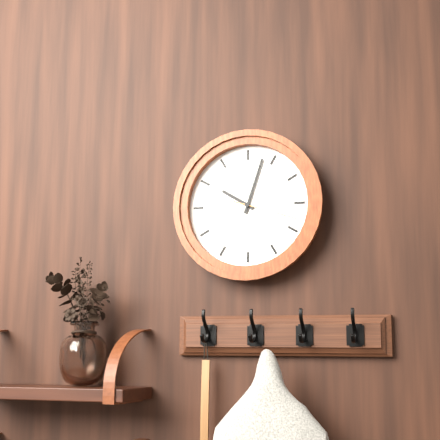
10:03:18
